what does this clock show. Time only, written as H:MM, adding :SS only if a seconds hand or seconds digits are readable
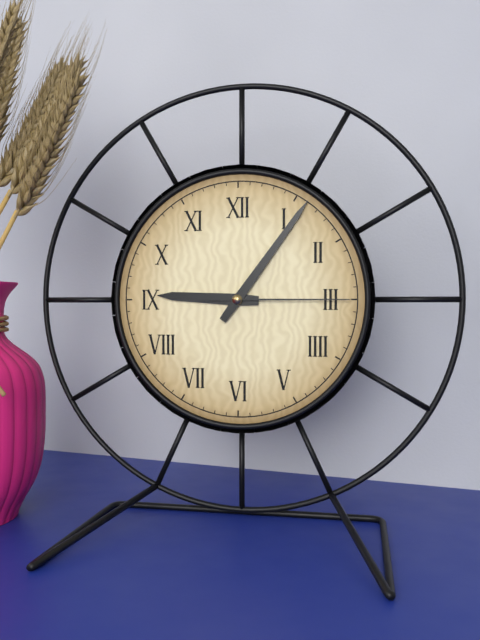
9:06:15
